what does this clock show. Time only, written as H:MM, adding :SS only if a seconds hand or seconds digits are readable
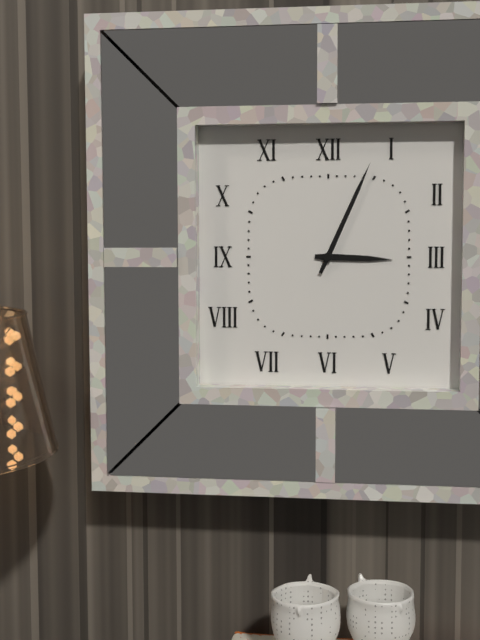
3:04
